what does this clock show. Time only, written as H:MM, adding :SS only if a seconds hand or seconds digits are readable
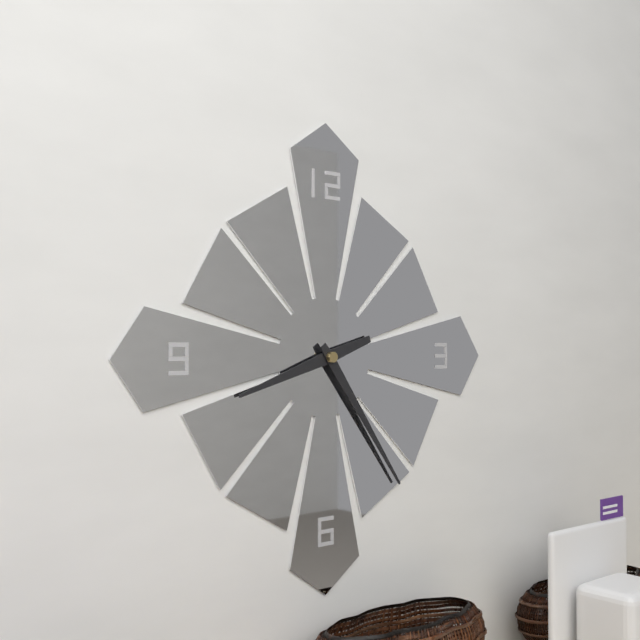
8:24
